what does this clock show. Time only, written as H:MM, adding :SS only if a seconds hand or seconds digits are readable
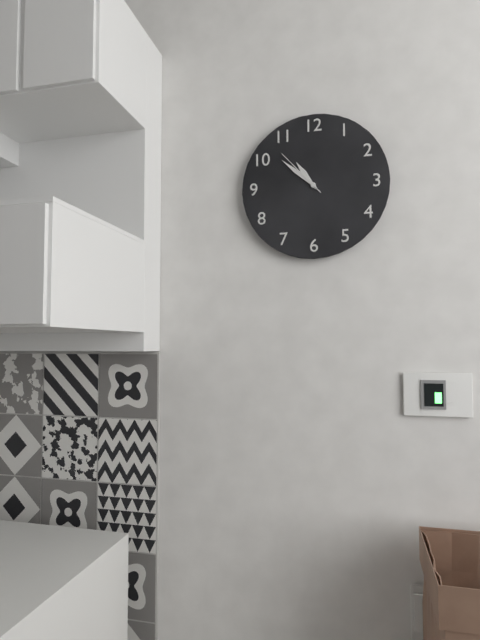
10:52:53
